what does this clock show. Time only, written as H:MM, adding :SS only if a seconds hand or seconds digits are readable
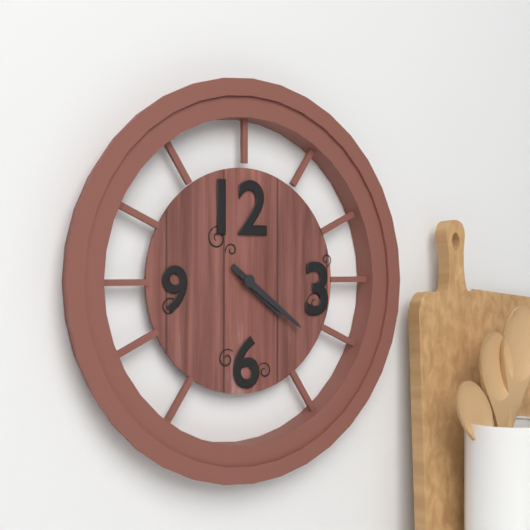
4:21
